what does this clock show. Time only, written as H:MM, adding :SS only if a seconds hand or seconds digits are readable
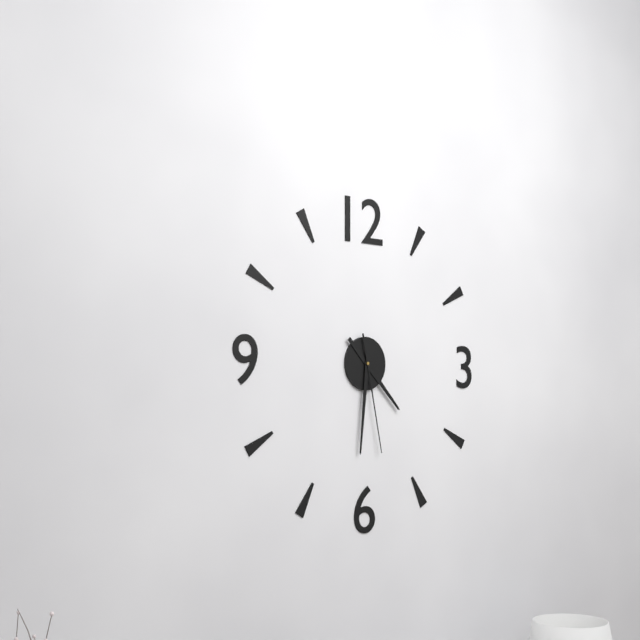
4:31:28
